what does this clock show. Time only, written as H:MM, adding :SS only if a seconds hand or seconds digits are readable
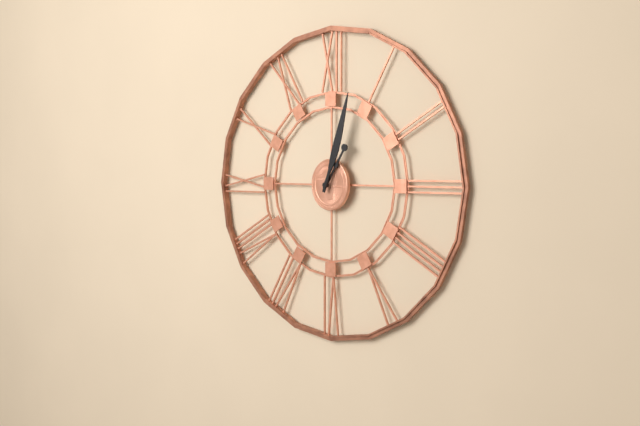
1:03
